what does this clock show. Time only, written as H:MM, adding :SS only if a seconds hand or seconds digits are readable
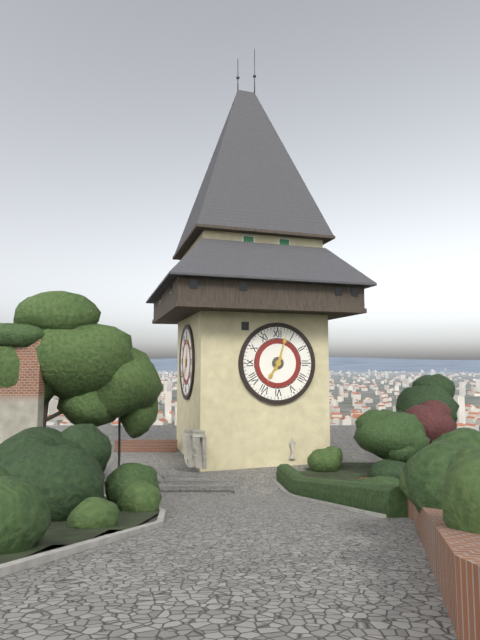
7:03
